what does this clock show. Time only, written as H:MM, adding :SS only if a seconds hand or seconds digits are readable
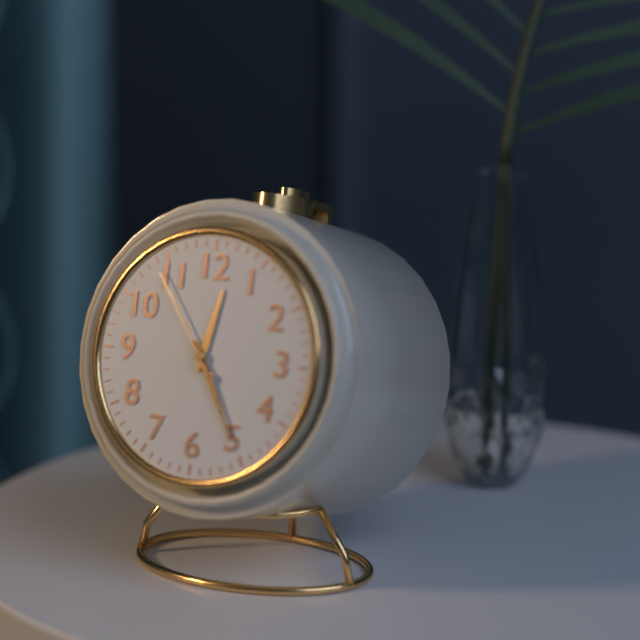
12:25:54
